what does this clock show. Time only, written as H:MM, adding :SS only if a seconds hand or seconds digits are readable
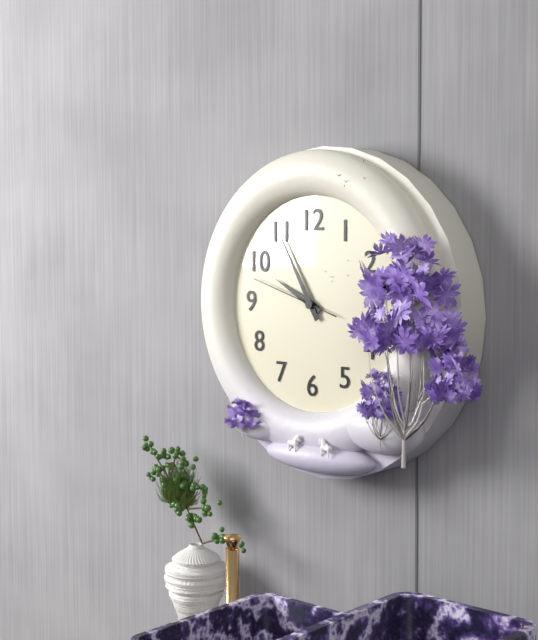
9:55:48
